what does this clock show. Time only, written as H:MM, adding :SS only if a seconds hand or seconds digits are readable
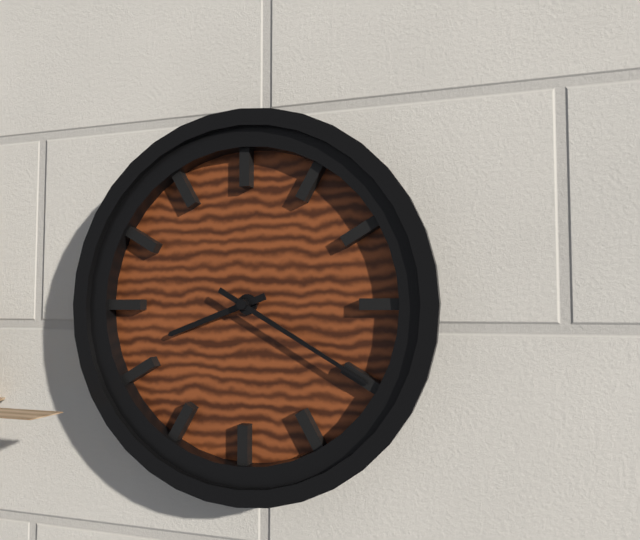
8:20
